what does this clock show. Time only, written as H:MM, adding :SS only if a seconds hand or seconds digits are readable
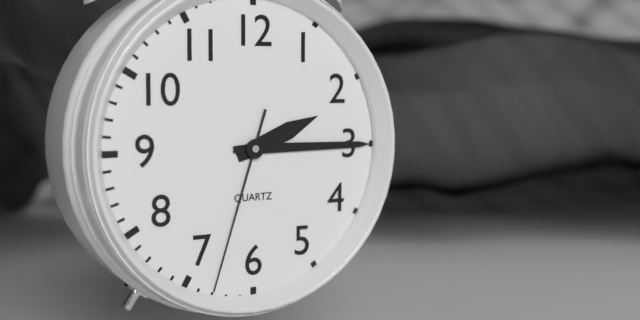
2:15:33
